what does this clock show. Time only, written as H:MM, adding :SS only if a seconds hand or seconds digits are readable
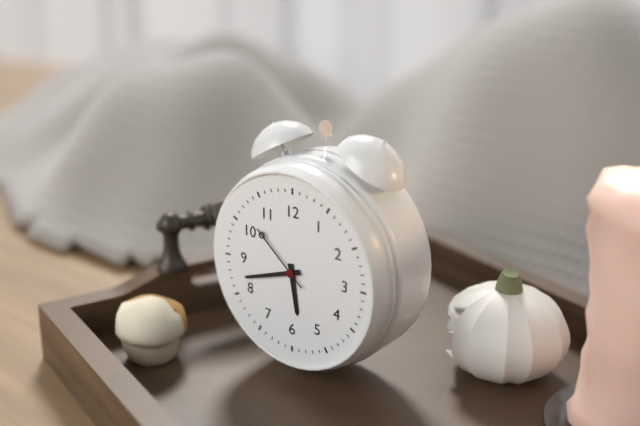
5:42:52
